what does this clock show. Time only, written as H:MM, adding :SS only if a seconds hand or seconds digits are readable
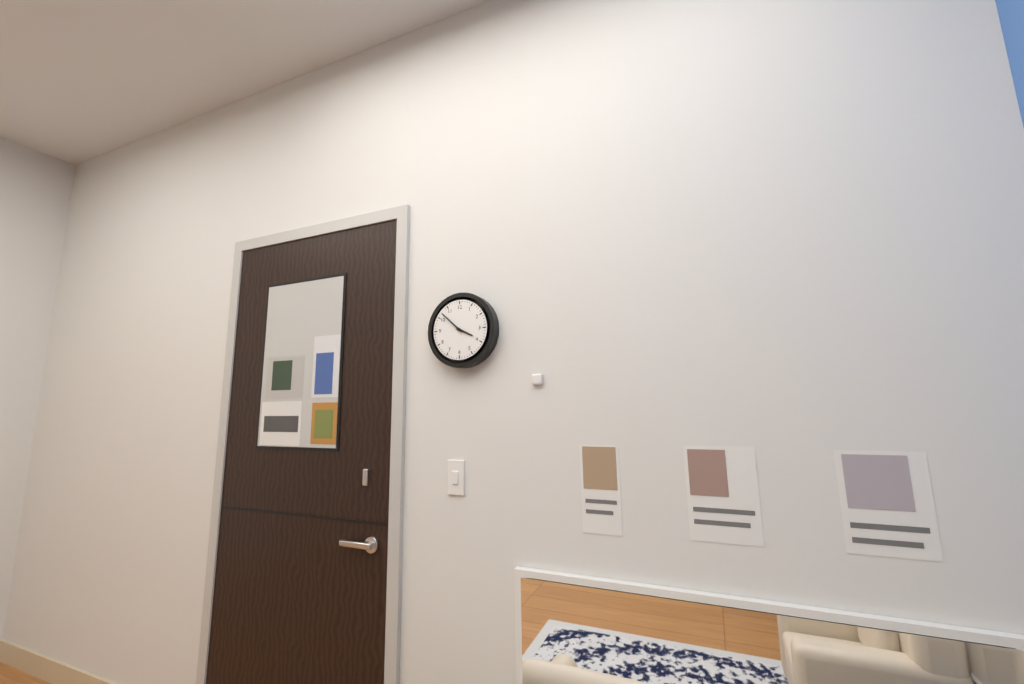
3:52
